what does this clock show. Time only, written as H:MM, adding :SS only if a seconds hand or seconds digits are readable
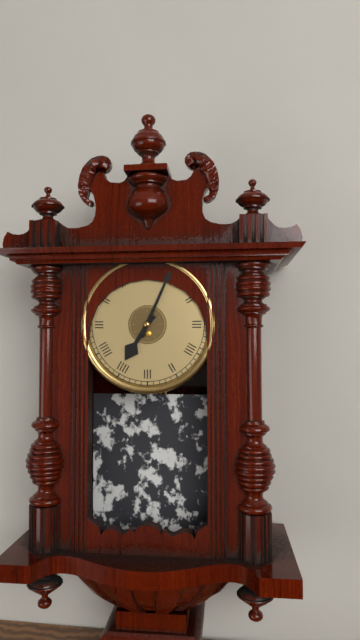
7:04
